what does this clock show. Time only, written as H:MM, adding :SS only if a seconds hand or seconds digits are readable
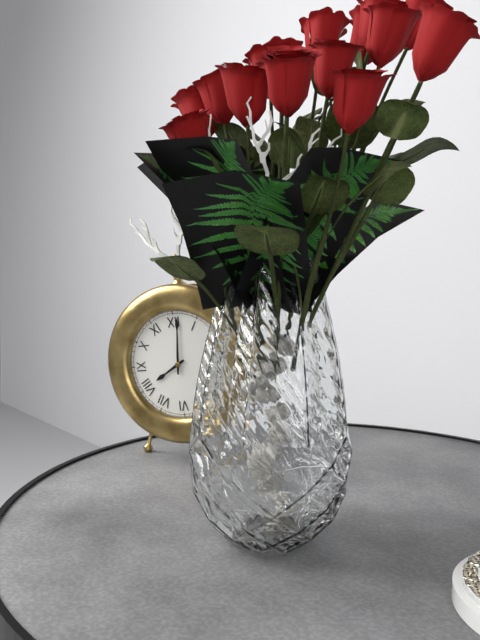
8:01
